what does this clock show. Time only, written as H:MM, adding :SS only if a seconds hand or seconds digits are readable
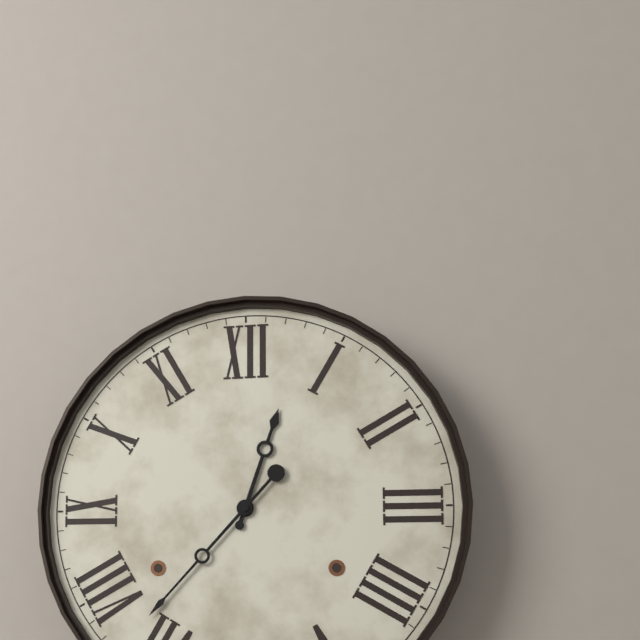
12:37
